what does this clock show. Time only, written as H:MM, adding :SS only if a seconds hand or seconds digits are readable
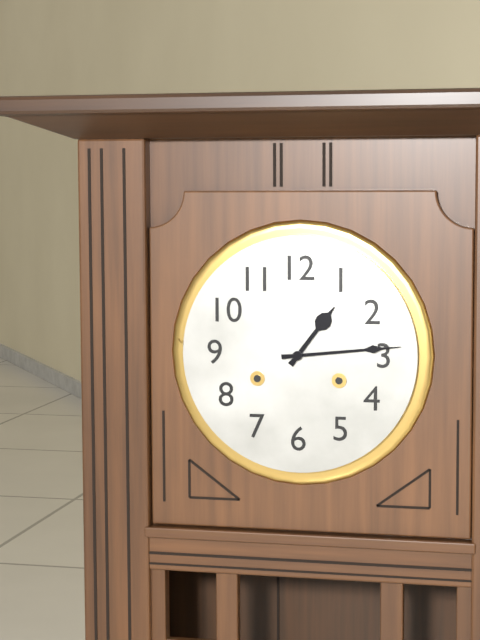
1:14
